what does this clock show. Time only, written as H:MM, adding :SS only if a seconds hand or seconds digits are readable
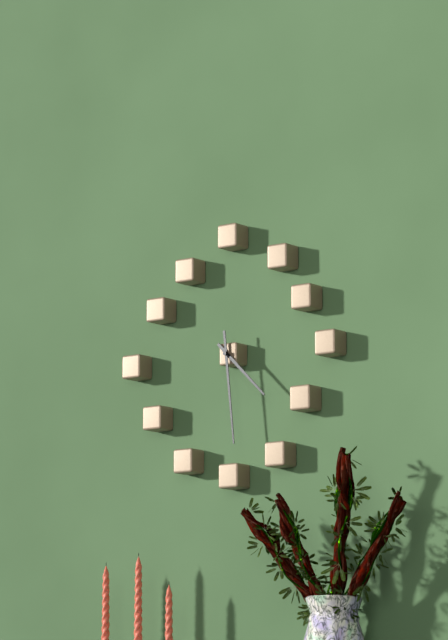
4:29
